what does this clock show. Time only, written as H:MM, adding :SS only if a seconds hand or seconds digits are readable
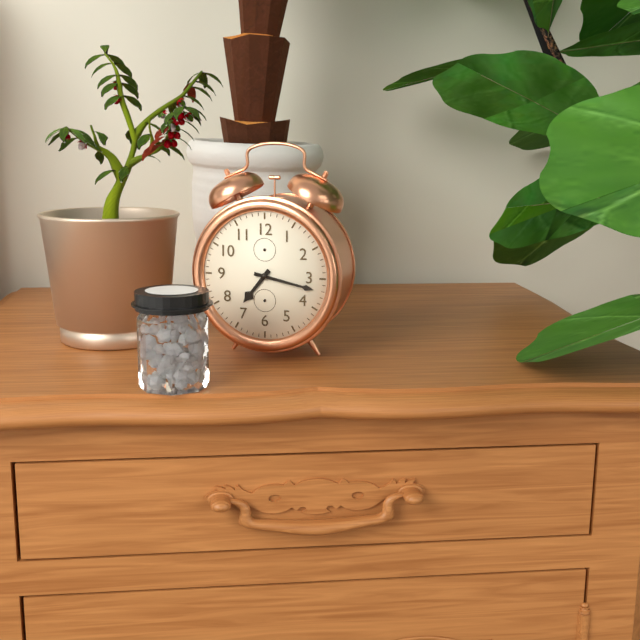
7:17
